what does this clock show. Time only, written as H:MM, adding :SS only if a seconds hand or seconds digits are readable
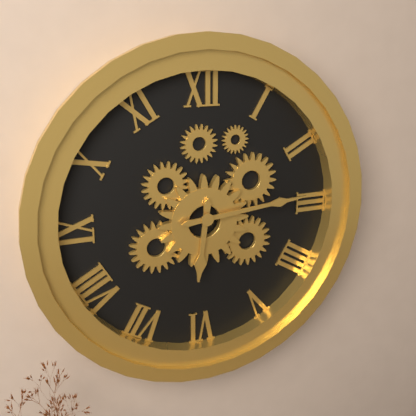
6:14
